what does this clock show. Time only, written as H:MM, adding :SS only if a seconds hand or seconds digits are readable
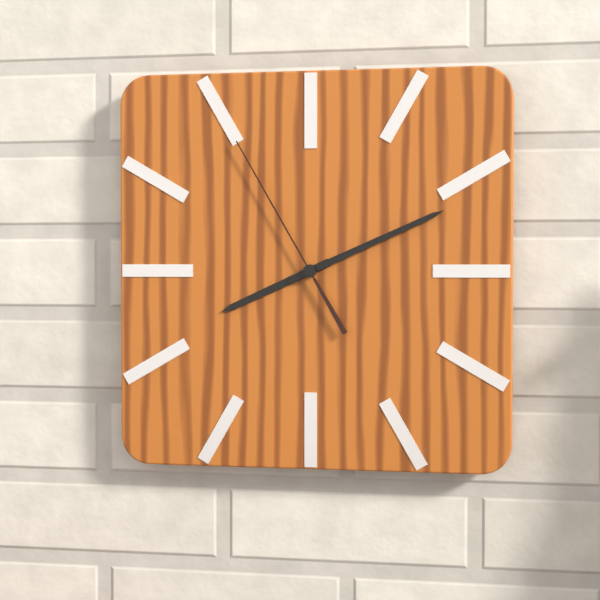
8:11:55
